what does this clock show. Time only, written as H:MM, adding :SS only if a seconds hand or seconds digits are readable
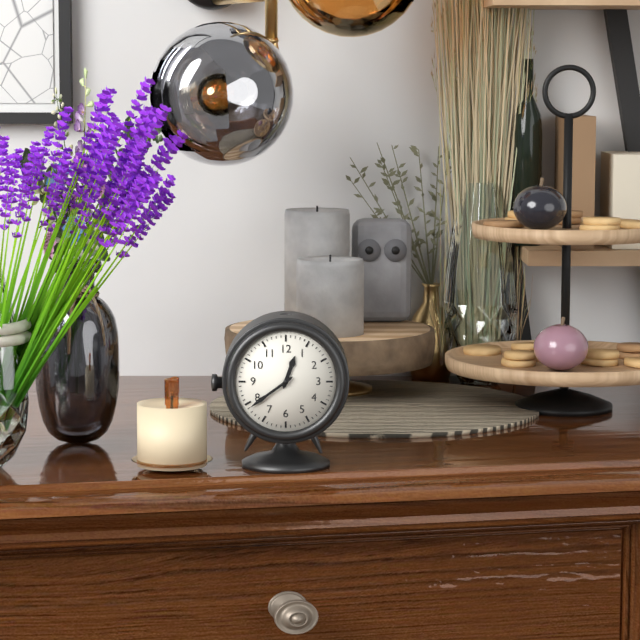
12:39
